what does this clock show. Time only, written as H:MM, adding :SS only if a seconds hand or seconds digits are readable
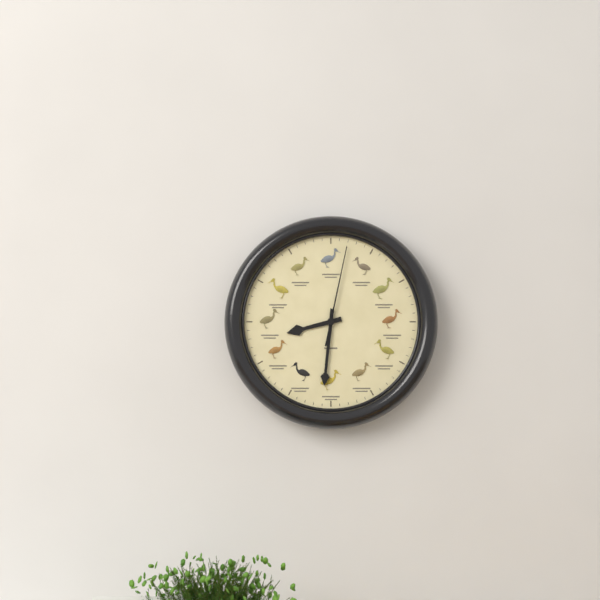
8:31:02
